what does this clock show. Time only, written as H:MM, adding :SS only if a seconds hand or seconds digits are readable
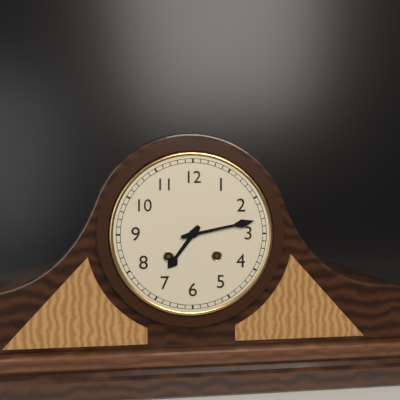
7:13
